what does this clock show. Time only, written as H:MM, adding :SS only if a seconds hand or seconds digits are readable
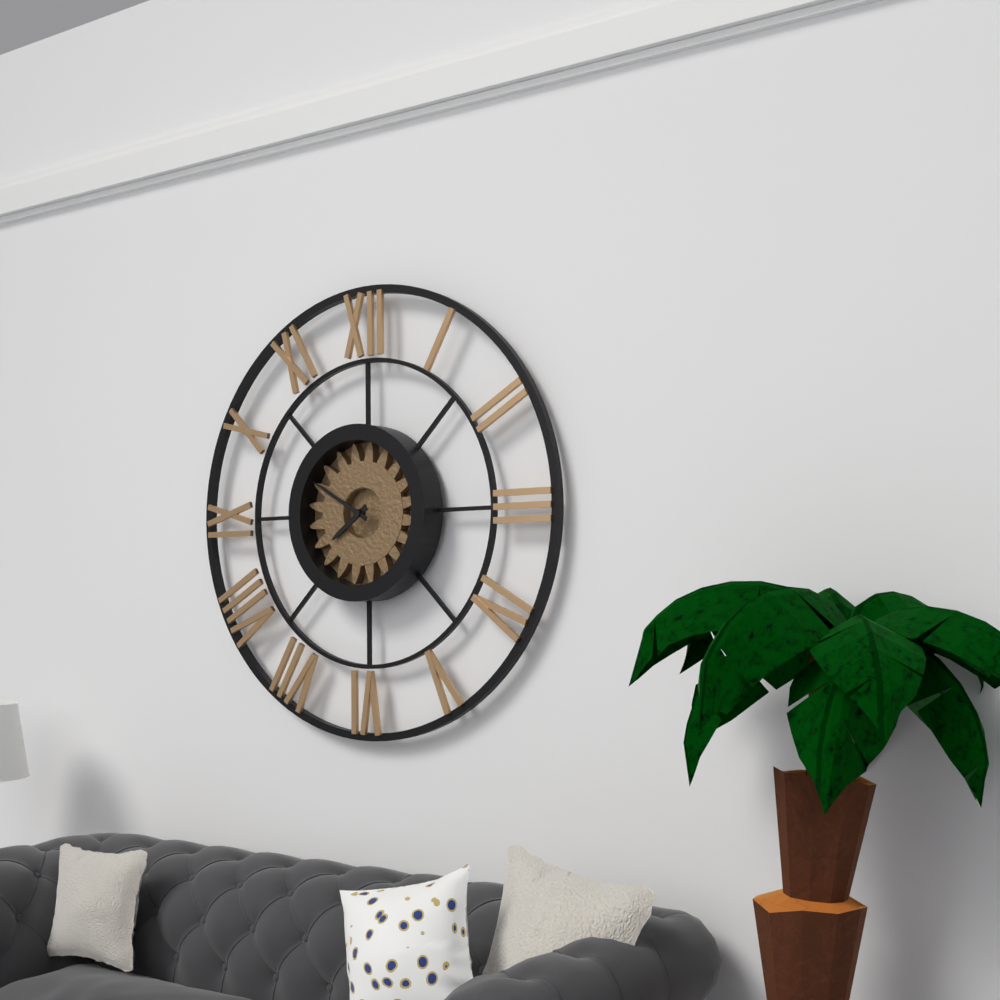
7:50
